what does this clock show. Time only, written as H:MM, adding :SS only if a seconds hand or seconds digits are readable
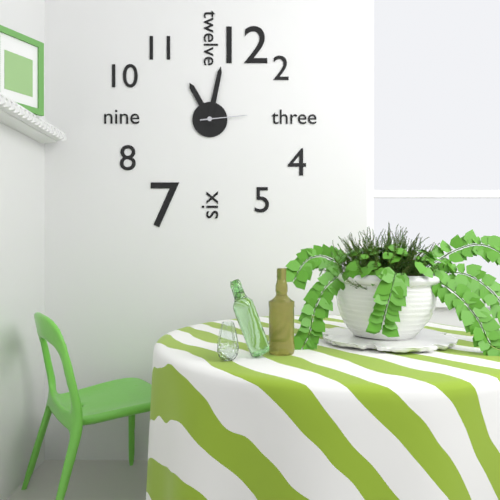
11:02
